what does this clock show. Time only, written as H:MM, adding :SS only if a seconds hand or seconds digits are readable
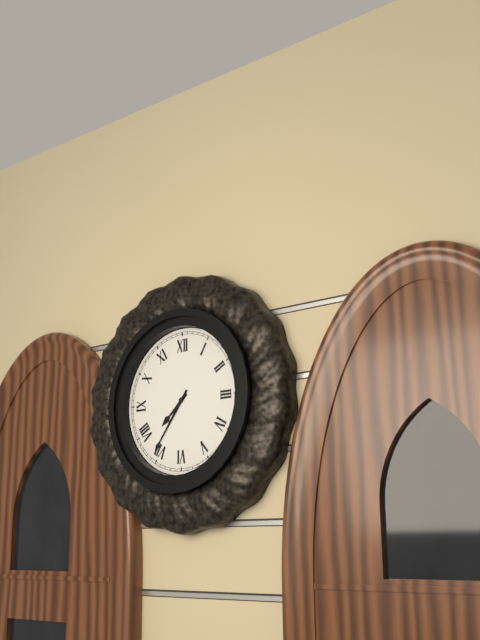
7:36
